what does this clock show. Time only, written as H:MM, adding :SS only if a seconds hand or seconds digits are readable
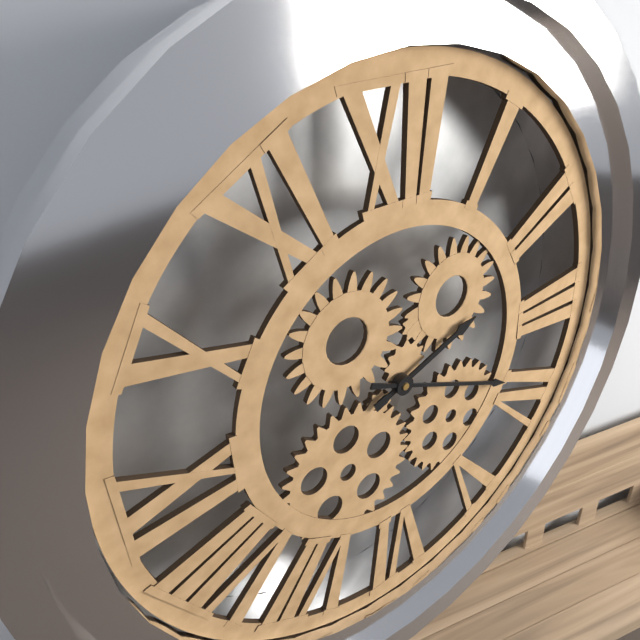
2:19
